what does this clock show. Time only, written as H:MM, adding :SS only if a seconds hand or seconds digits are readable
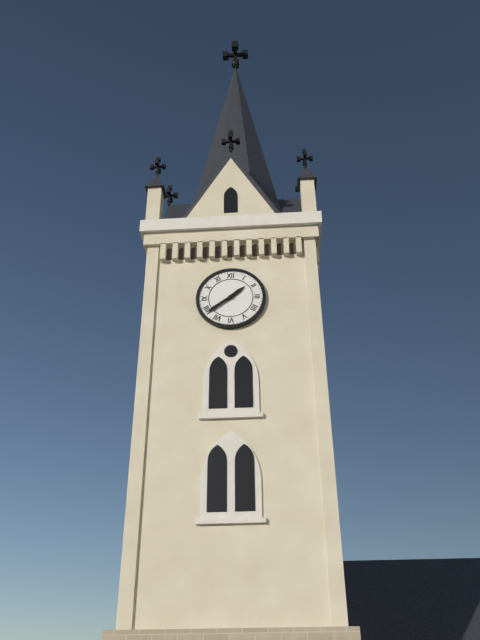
1:39
